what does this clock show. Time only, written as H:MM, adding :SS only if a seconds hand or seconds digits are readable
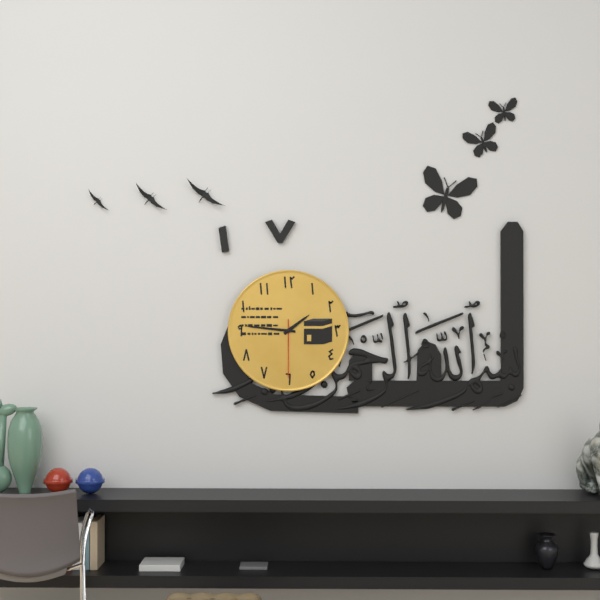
1:46:30
